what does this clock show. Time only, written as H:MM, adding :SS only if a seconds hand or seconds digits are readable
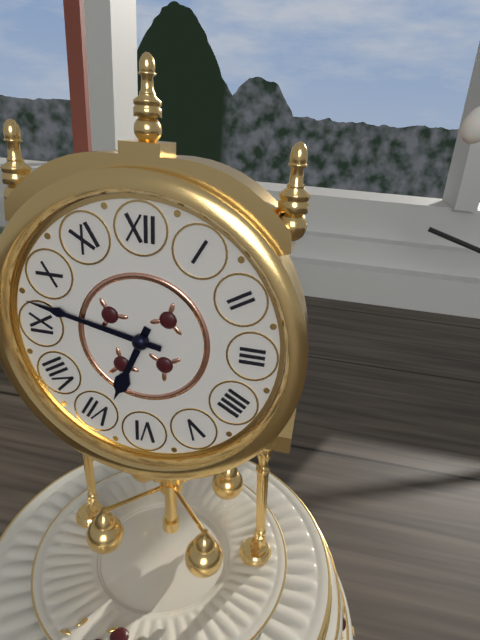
6:47
